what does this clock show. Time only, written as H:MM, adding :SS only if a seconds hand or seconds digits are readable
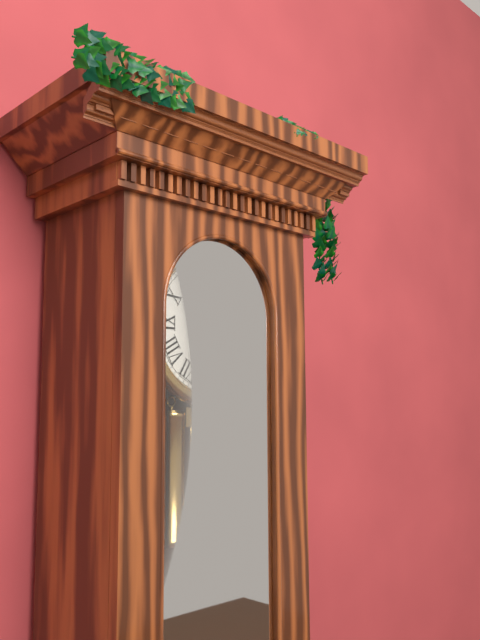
11:32
